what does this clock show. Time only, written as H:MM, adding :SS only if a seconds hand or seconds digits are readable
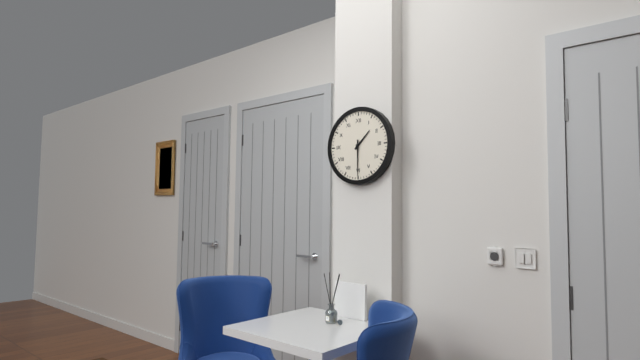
1:30
